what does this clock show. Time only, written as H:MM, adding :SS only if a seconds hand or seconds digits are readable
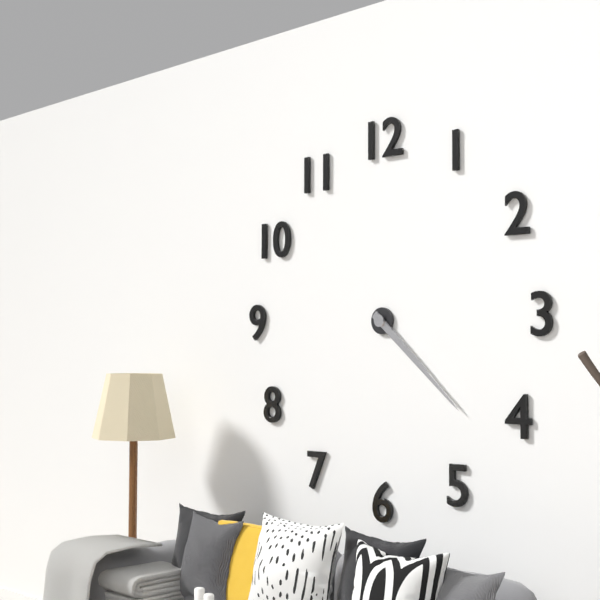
4:22
